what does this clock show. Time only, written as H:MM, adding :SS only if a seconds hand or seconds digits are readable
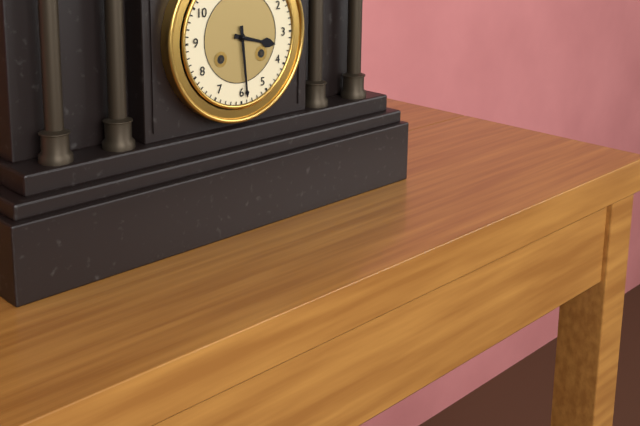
3:29
